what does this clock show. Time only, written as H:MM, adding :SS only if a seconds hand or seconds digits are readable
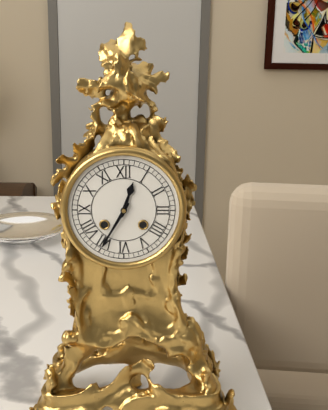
12:35
